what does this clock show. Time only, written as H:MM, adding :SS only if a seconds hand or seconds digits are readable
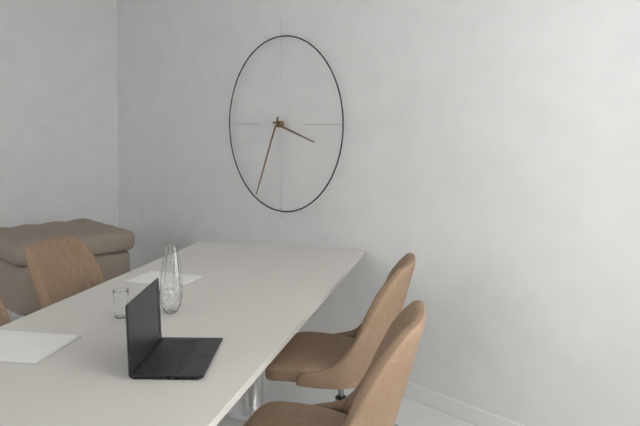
3:34
